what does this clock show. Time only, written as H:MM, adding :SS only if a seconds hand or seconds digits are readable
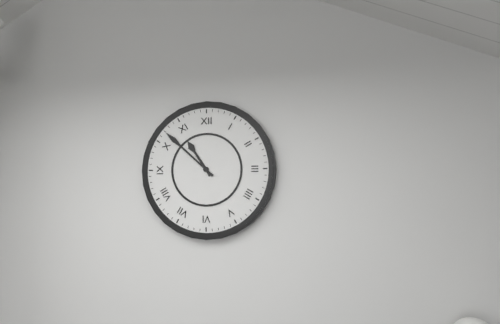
10:52
